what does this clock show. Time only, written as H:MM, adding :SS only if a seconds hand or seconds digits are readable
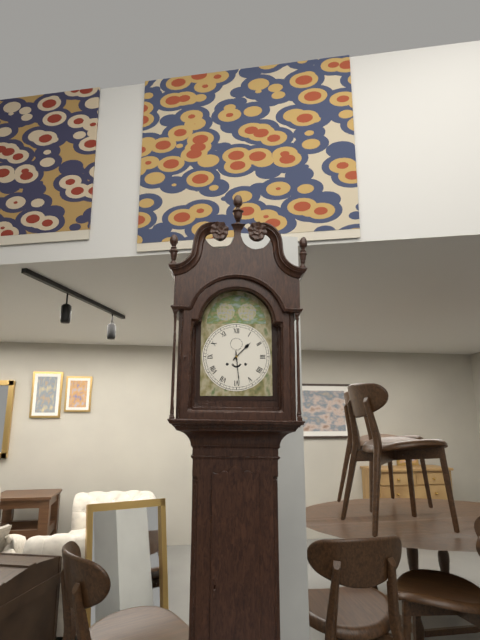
1:29
